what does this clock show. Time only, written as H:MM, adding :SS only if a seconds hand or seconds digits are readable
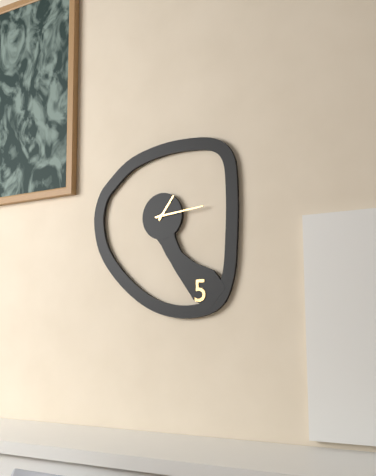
1:14
